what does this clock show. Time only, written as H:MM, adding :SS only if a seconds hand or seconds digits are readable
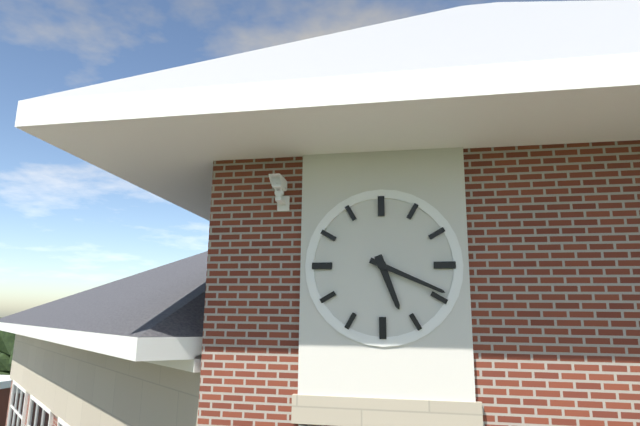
5:19
